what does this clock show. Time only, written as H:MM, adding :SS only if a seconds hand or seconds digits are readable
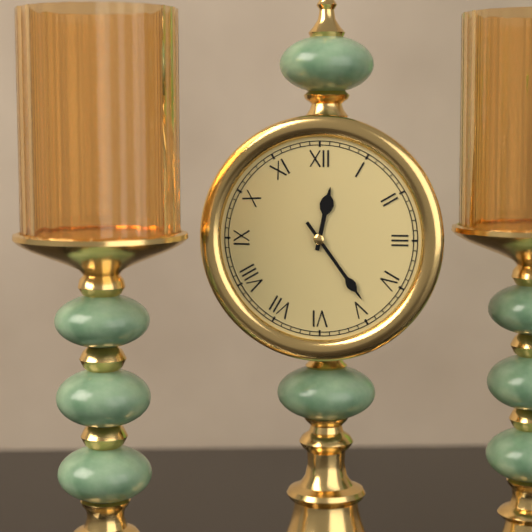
12:24
